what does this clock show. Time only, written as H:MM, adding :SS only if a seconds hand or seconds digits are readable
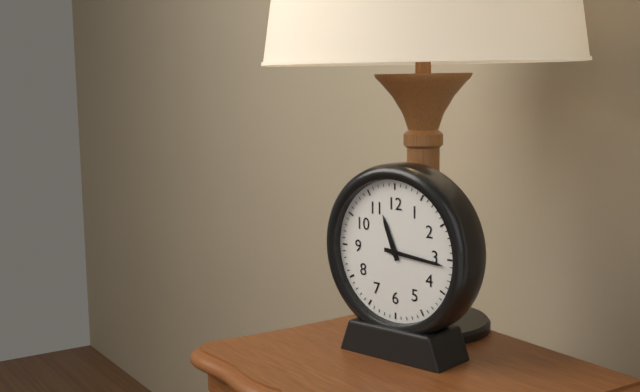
11:16
